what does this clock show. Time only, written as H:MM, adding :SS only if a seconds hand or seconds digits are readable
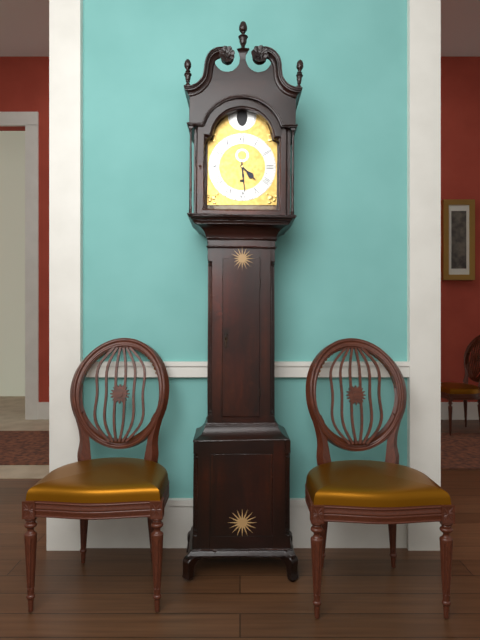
4:29
